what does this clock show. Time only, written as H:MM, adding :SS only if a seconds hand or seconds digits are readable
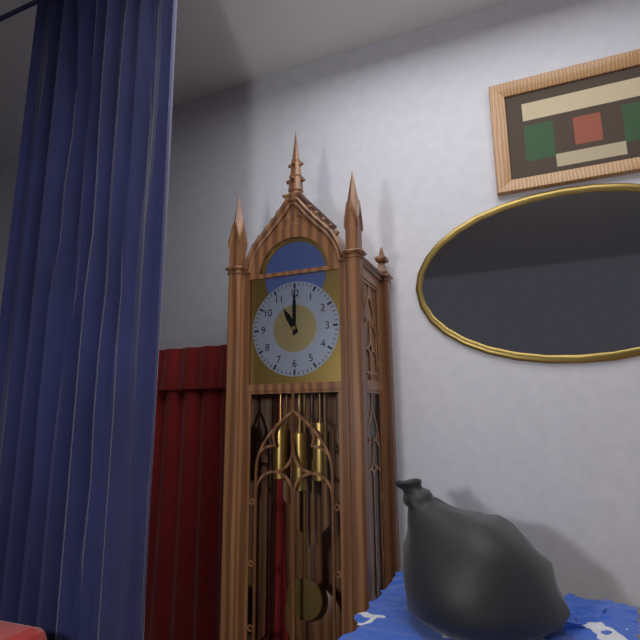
11:00
